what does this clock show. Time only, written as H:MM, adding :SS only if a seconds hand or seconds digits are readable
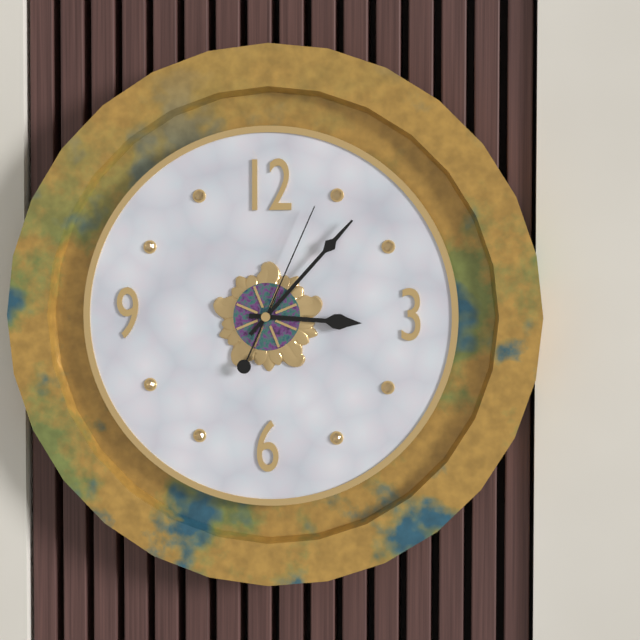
3:07:04
